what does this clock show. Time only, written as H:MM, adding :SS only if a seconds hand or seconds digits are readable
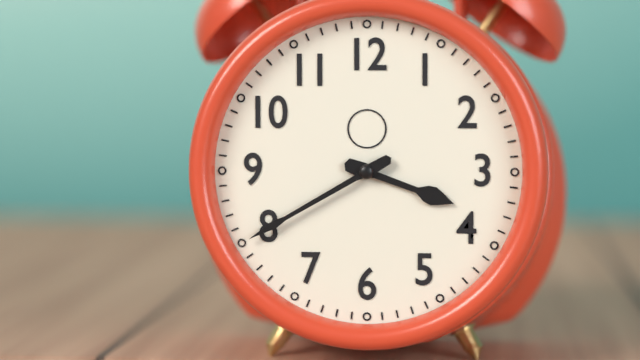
3:40
